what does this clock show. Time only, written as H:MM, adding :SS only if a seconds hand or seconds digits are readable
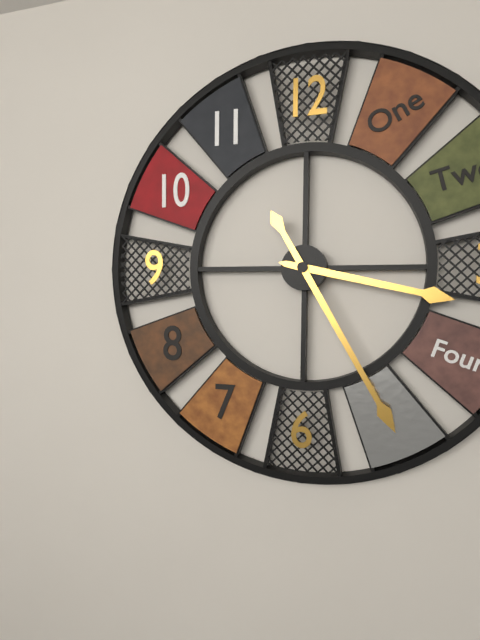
3:25
